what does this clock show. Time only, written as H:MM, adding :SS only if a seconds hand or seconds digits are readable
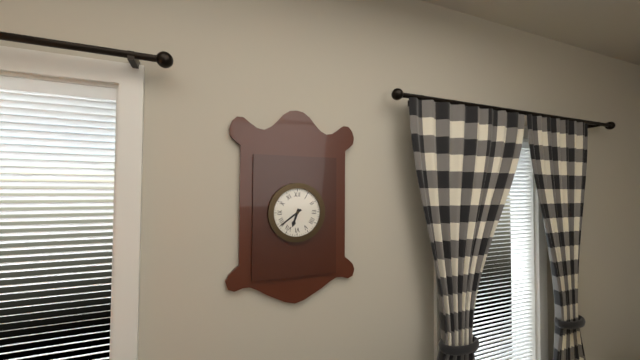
6:39
